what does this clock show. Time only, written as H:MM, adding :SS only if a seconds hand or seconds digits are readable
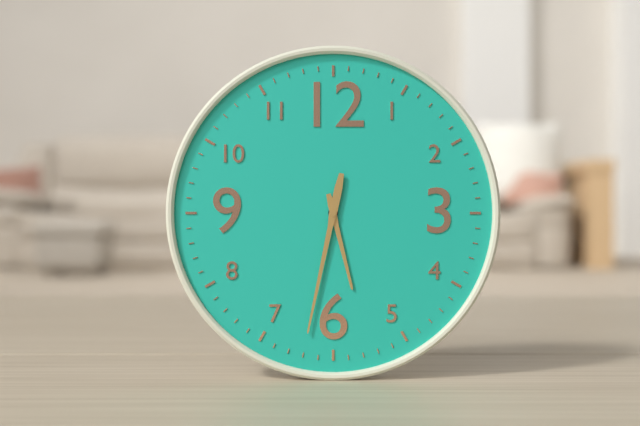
5:32
